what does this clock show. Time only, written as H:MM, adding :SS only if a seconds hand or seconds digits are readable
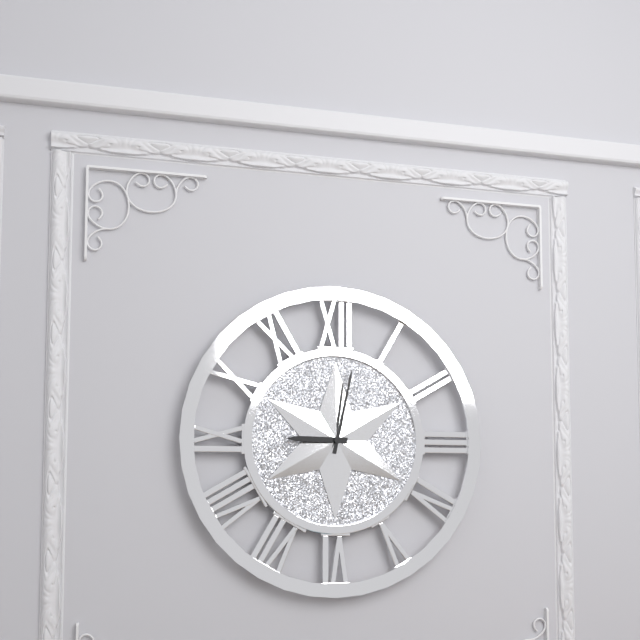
9:02
